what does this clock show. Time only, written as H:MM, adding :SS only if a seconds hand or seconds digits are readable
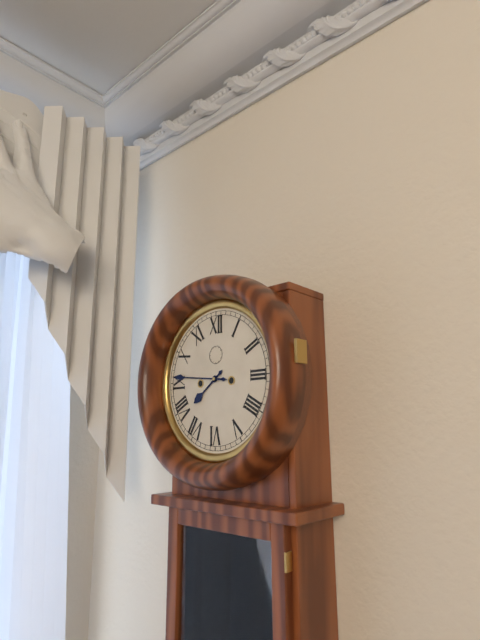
7:46
